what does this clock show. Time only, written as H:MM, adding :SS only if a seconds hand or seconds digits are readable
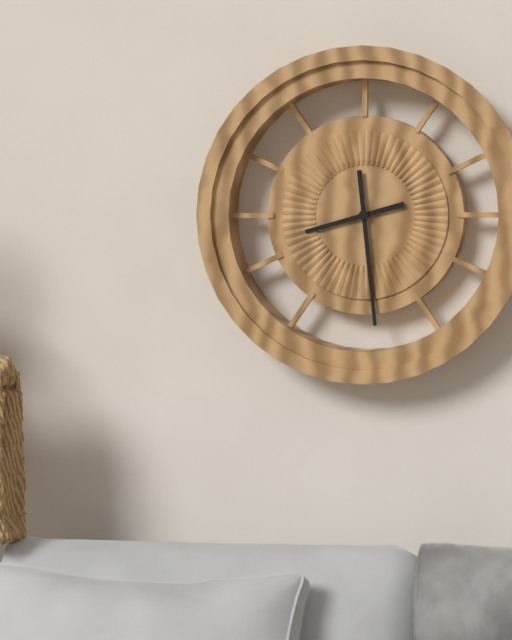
8:29
